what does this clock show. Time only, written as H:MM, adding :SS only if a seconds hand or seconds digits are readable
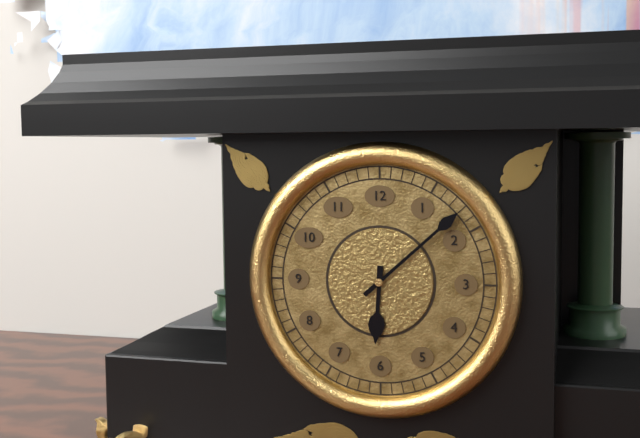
6:08
